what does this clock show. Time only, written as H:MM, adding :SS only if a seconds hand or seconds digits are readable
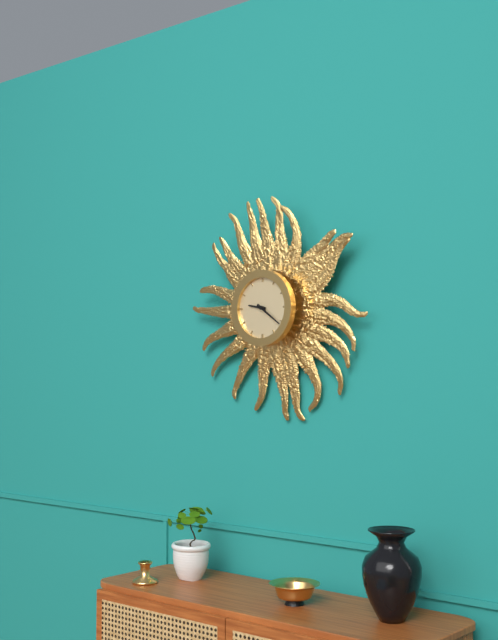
9:21
